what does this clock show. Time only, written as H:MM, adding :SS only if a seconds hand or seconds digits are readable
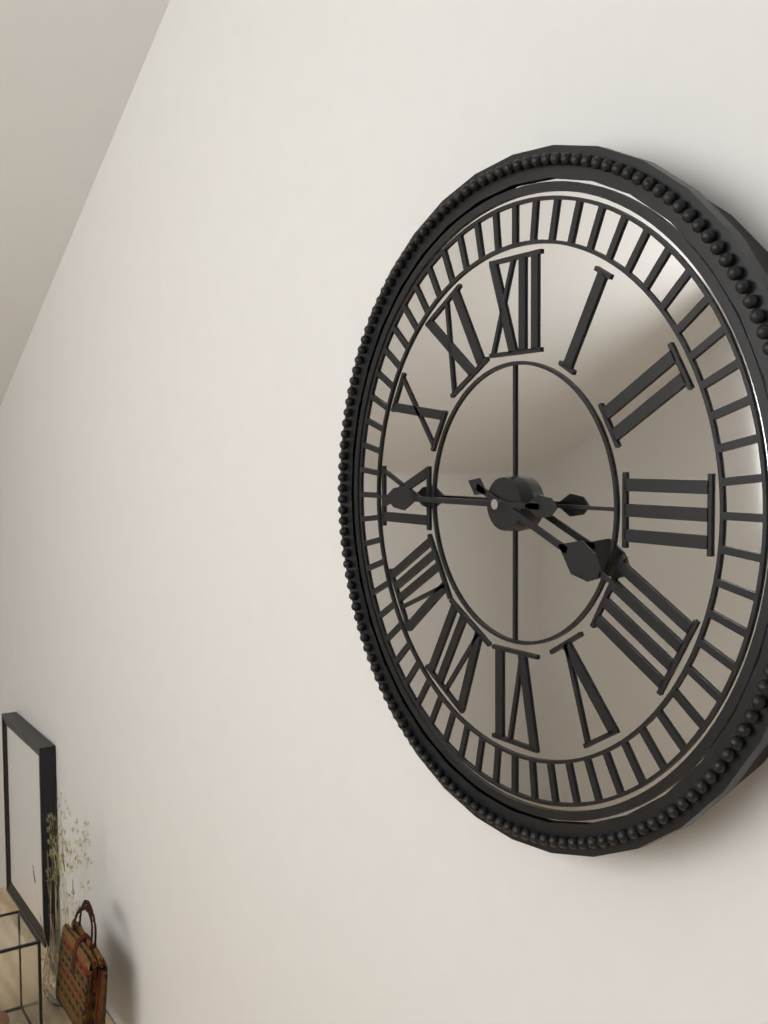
3:45
